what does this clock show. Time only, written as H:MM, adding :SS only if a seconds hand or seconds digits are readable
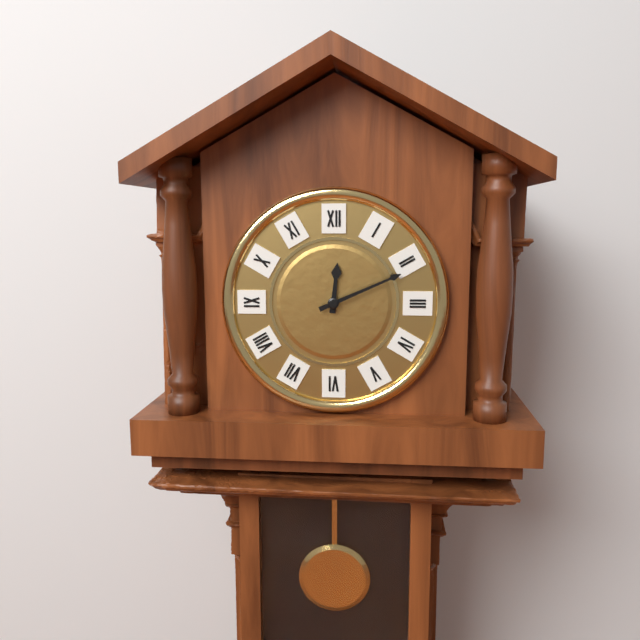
12:11
